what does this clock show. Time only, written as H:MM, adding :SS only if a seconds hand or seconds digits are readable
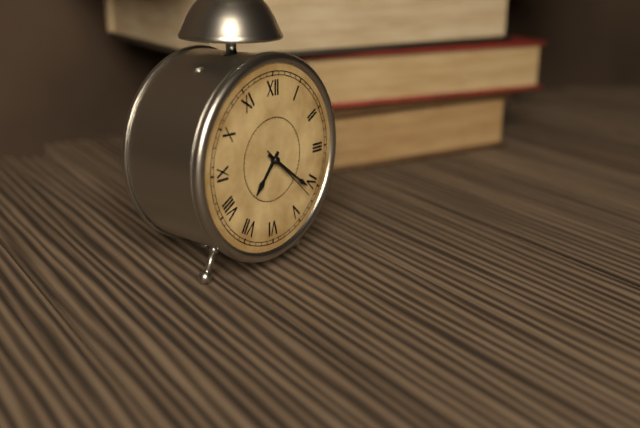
7:21:22
